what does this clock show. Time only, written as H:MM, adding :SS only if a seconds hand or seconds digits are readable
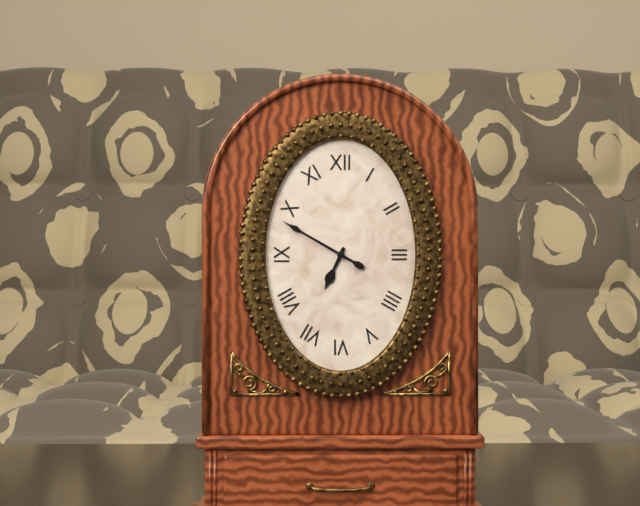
6:50
